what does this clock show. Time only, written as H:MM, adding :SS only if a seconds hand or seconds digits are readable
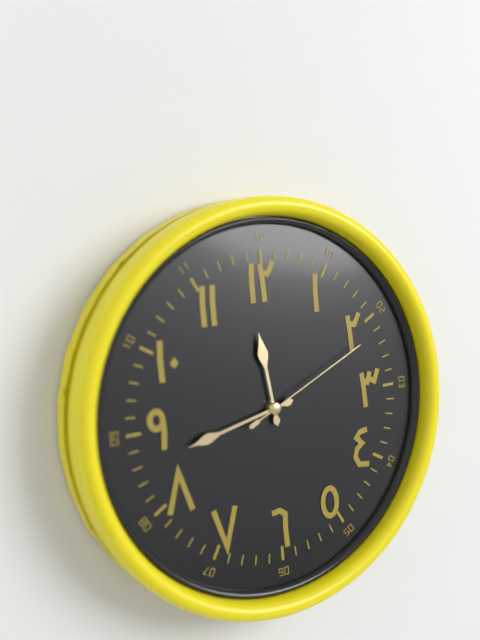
11:43:11
